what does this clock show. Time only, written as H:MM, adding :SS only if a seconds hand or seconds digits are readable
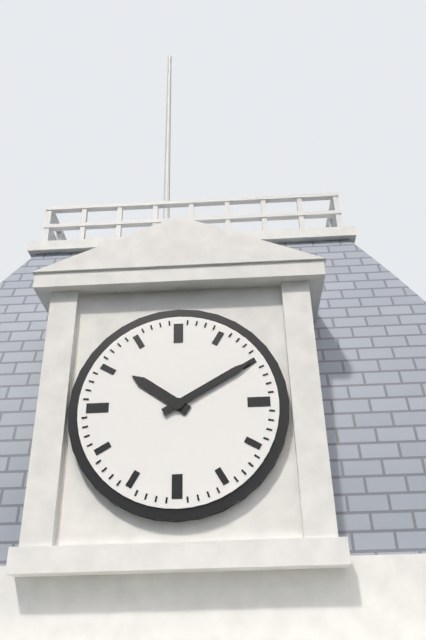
10:10
